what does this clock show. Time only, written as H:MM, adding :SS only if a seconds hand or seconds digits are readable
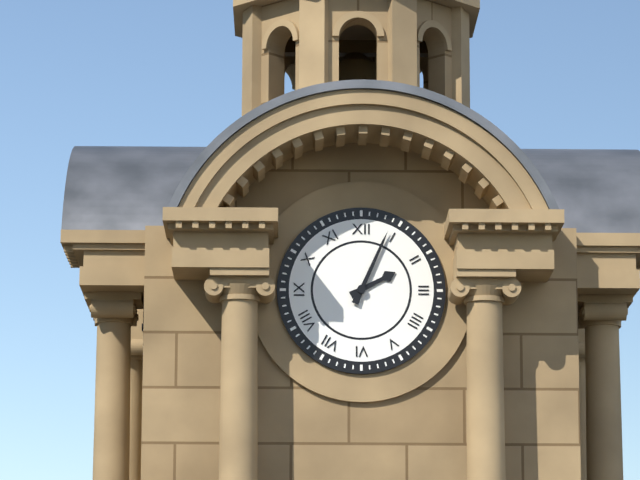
2:04
